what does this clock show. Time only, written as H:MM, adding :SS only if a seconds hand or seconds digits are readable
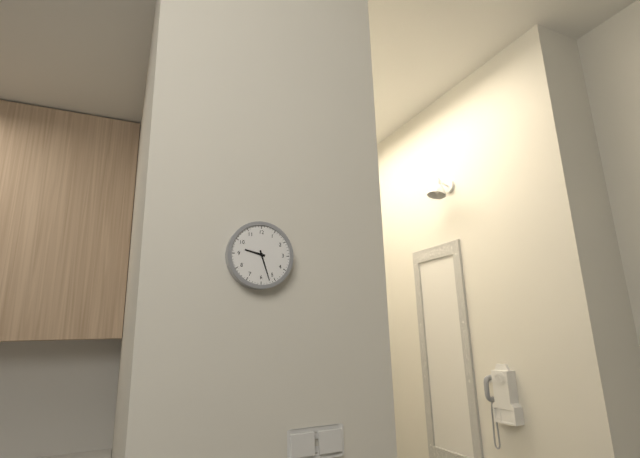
9:27
